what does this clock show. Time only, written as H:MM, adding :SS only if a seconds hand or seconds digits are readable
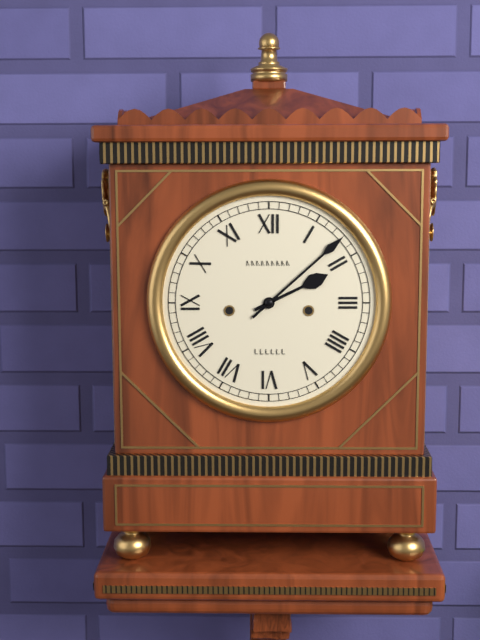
2:08
